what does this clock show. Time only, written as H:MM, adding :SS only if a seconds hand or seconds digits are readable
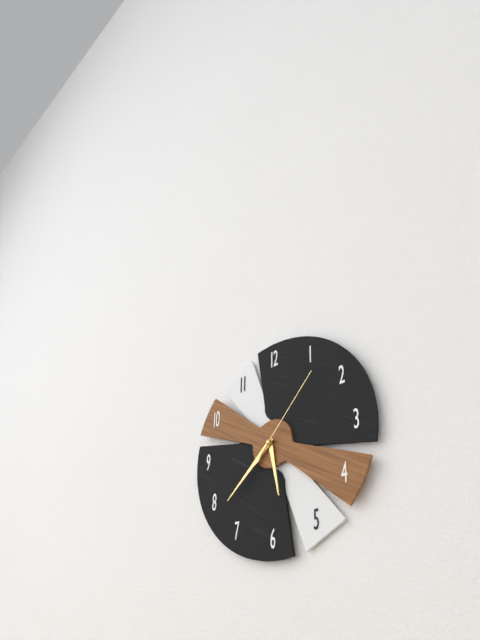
5:38:07
